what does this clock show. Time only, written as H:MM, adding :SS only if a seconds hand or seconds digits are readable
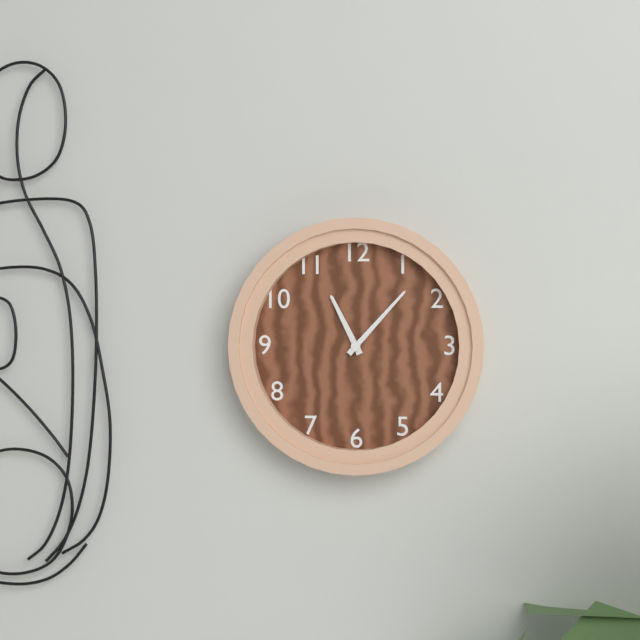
11:07
